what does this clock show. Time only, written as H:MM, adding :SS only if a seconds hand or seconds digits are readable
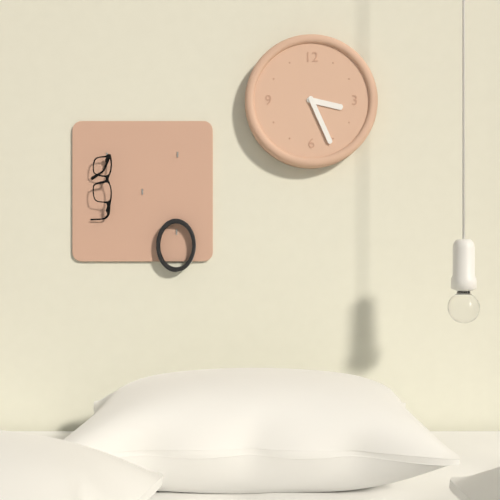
3:26
